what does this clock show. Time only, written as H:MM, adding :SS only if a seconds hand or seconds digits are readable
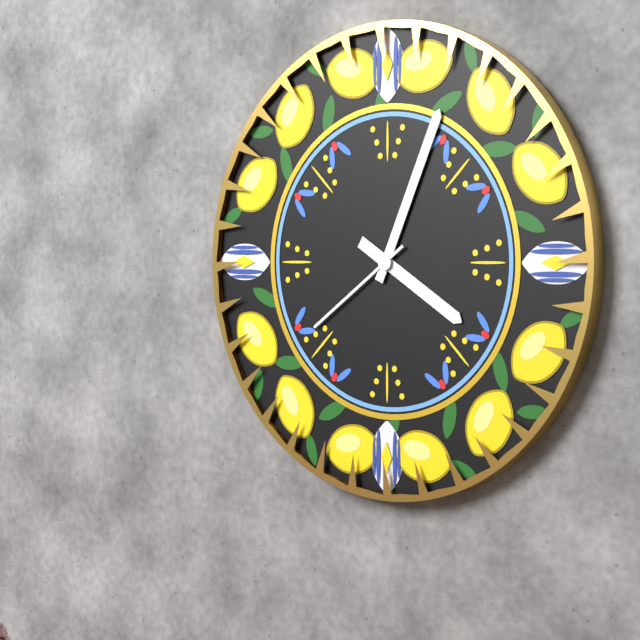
4:04:39
